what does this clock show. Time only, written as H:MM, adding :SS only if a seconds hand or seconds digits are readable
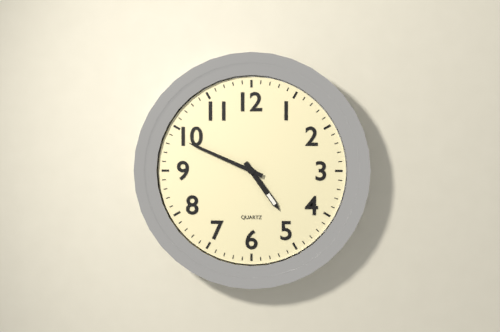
4:49
